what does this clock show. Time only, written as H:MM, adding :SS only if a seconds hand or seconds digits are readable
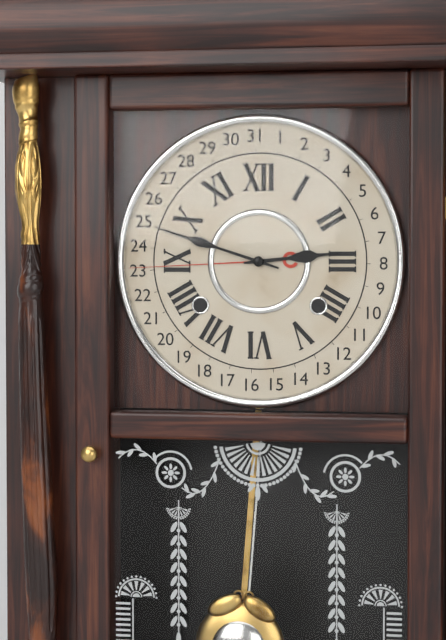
2:48
